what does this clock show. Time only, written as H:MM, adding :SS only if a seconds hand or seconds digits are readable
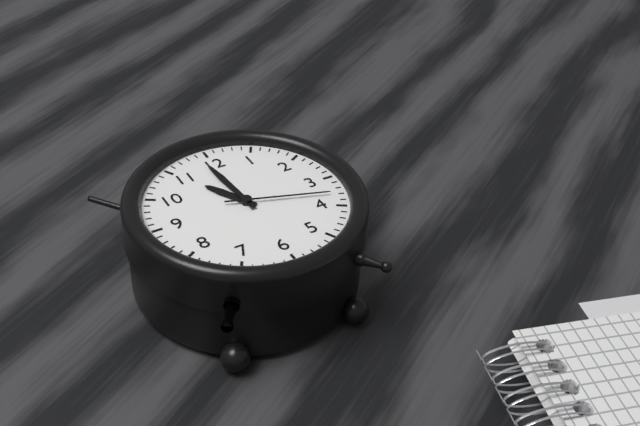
10:59:18
